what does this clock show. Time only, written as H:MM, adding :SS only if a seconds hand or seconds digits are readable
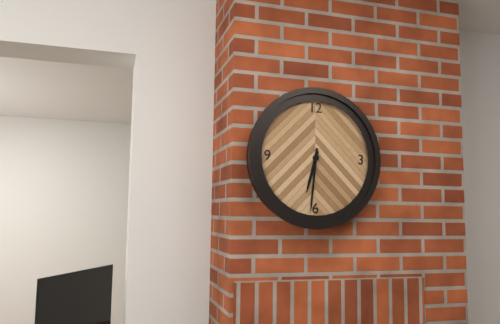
6:31
